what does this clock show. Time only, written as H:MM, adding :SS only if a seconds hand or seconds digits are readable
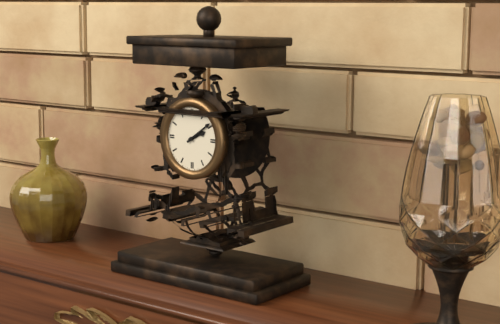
2:09
